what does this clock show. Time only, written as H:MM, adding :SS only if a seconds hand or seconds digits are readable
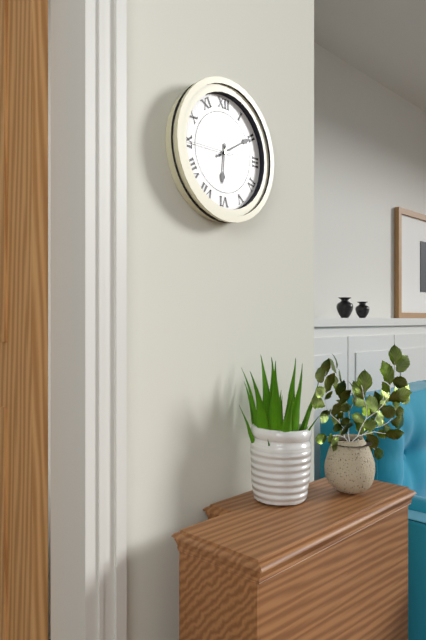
6:10:45
